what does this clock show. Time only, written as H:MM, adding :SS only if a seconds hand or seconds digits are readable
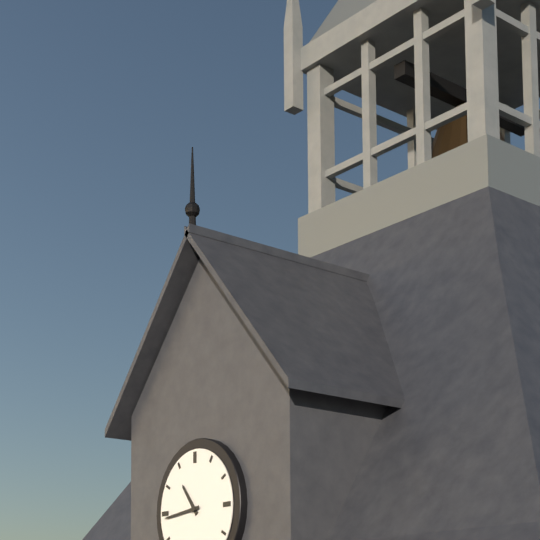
10:44
